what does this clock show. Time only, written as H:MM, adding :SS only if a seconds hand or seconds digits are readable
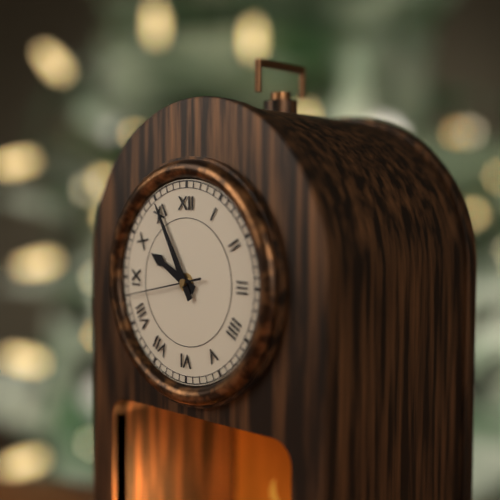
9:55:43
